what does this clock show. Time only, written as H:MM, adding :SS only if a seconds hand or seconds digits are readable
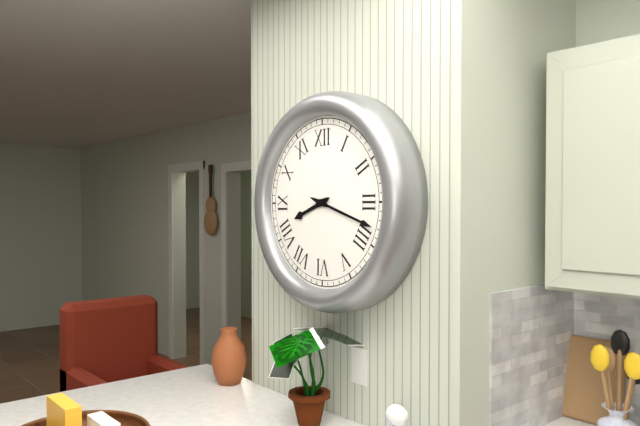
8:18
